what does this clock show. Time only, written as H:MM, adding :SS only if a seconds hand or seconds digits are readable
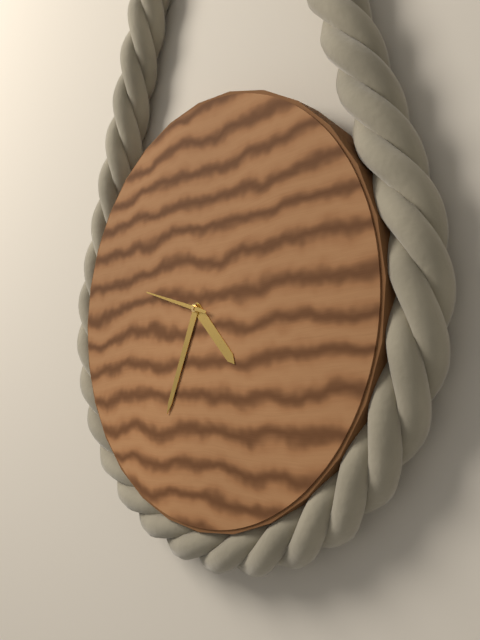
4:34:48
